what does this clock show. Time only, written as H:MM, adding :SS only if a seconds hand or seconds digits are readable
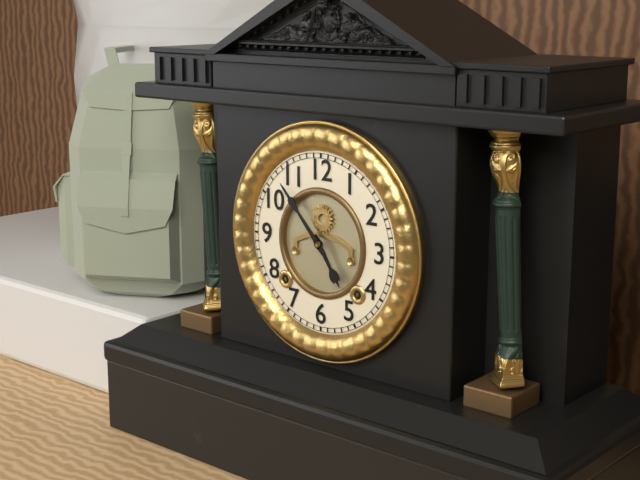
4:53
